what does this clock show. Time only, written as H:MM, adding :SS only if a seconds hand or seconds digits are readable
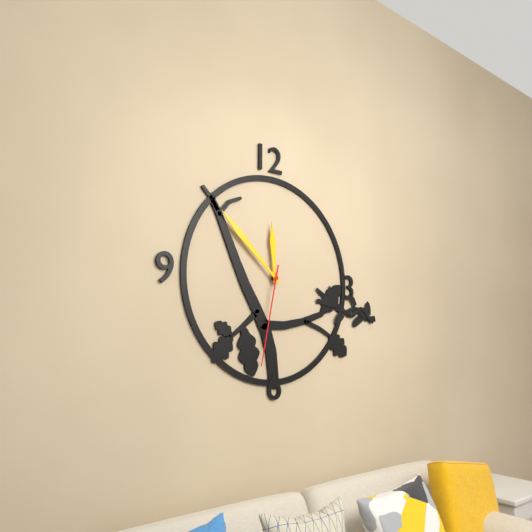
11:52:32
